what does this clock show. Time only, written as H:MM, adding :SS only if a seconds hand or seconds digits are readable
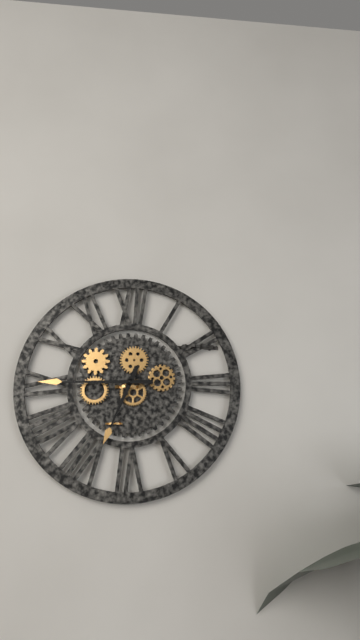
6:45
